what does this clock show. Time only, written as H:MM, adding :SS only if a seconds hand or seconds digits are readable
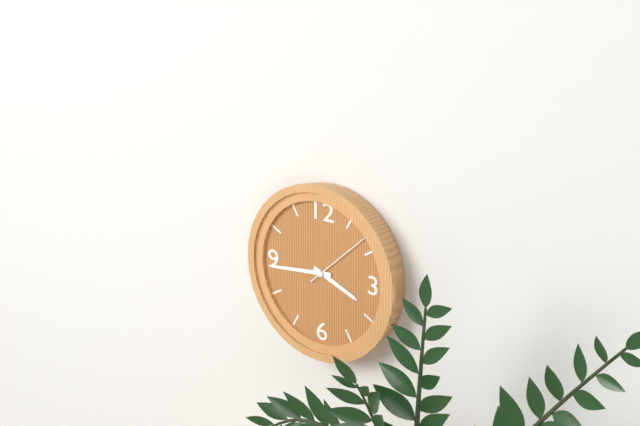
3:44:08
